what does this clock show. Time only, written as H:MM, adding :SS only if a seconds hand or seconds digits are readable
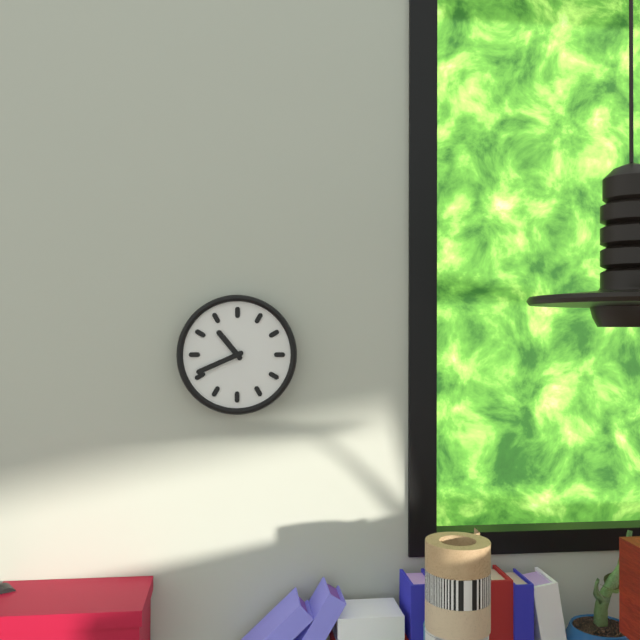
10:41
